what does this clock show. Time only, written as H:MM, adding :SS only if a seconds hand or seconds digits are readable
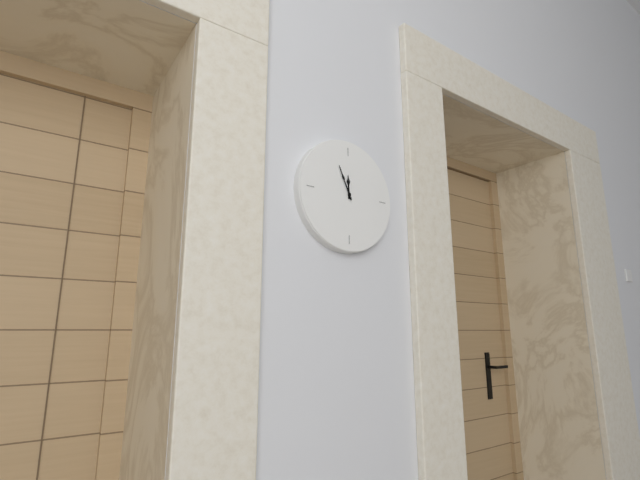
11:56
